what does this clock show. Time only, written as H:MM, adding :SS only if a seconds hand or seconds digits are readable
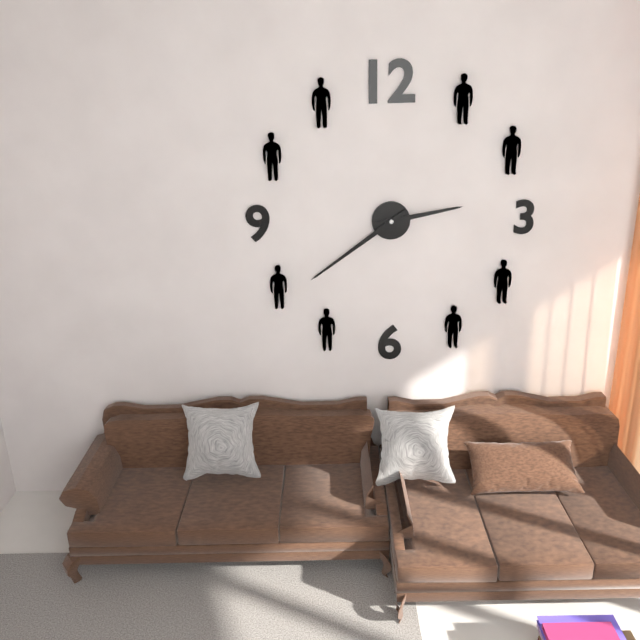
2:39
